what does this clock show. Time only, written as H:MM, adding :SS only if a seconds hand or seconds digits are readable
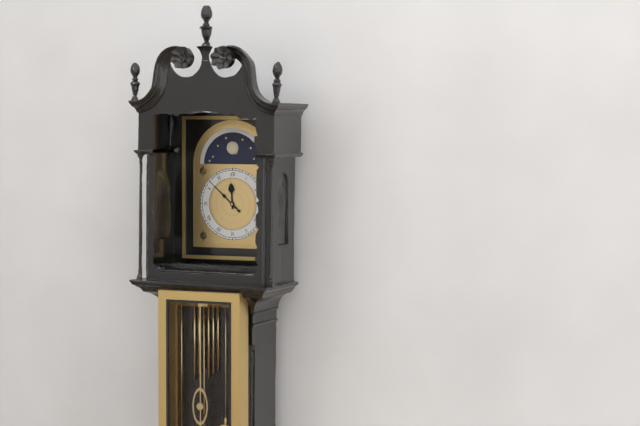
11:52
